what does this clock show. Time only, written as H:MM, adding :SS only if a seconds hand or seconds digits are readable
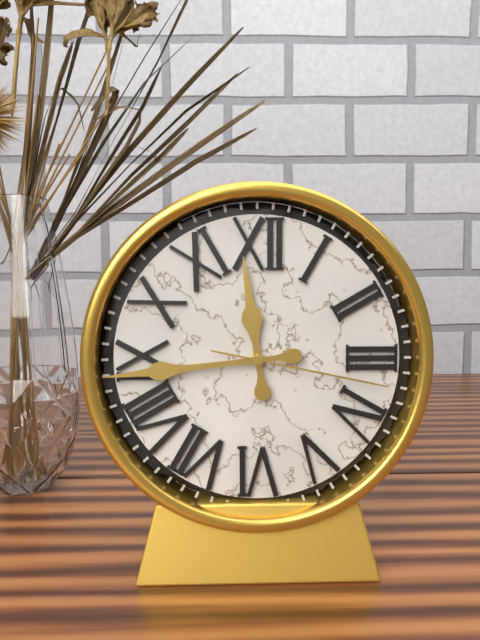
11:44:17
